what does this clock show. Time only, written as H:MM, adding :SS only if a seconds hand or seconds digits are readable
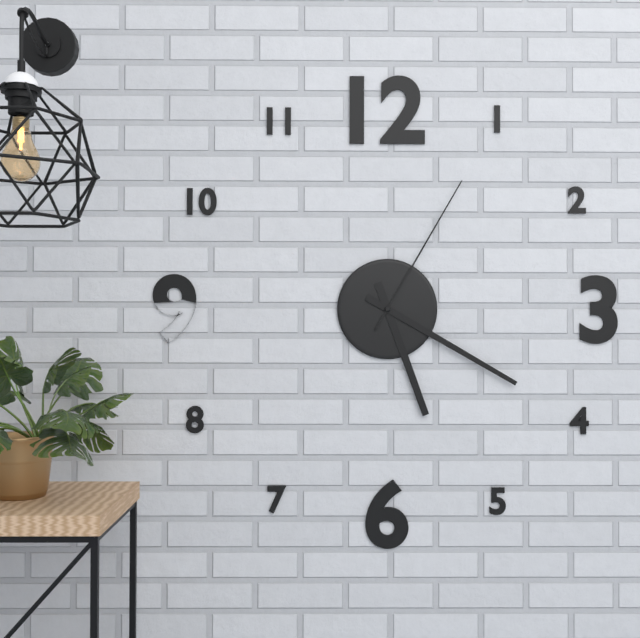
5:20:05
